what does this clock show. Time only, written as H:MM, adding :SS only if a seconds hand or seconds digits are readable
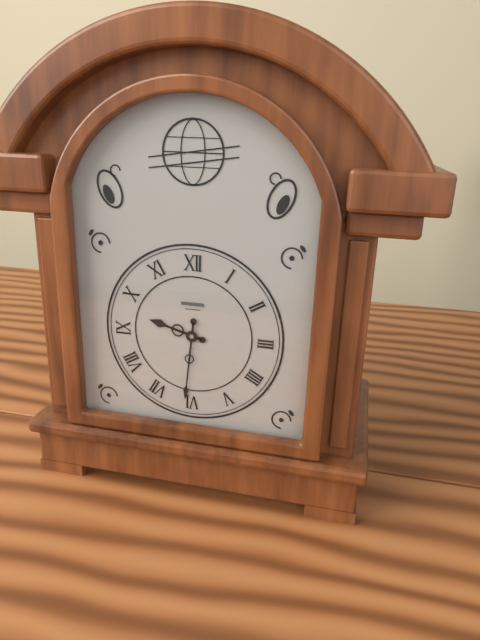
9:31
